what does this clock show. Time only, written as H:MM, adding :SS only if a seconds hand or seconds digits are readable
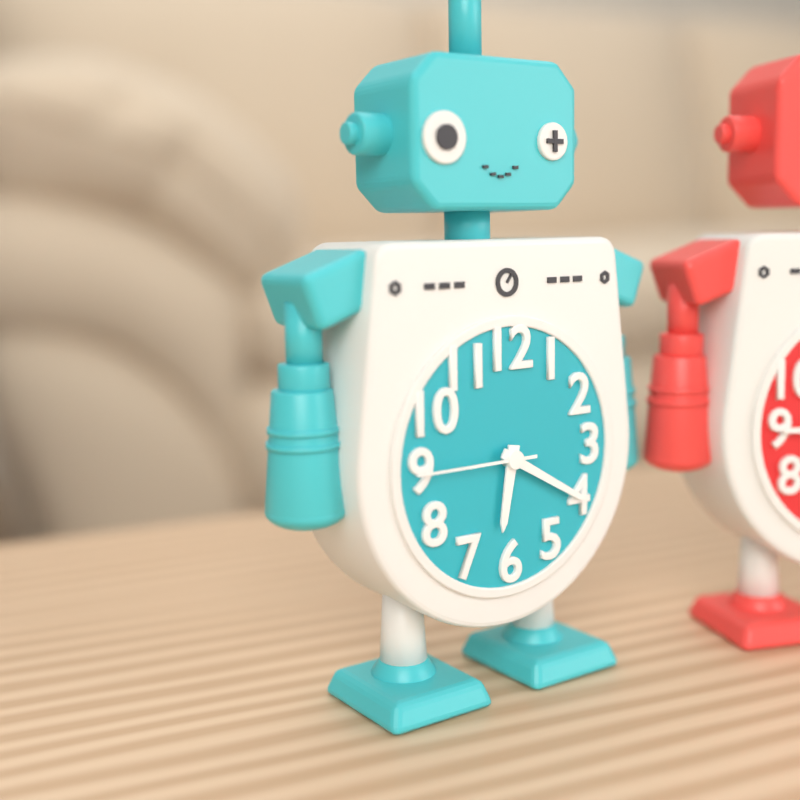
6:20:45
